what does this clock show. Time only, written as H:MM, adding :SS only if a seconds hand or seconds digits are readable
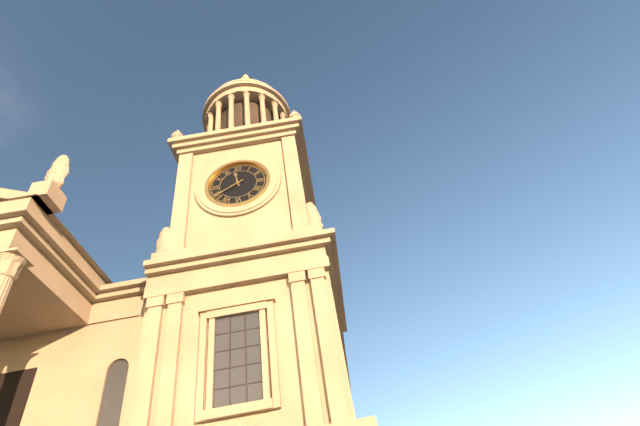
11:40
